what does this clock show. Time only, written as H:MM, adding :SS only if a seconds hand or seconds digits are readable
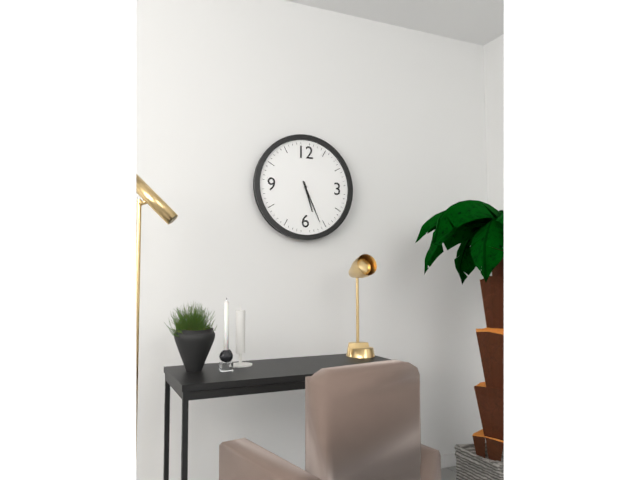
5:26
